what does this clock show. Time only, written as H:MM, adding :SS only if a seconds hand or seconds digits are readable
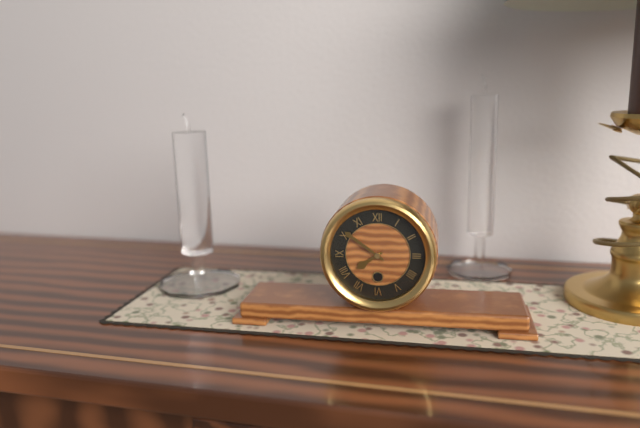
7:51
